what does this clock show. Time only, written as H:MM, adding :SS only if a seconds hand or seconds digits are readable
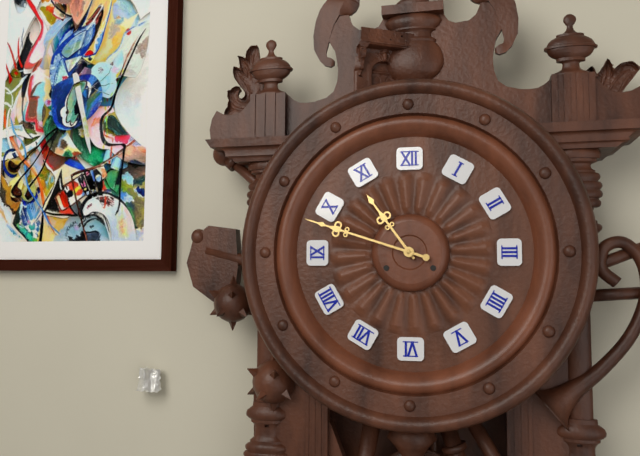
10:48
